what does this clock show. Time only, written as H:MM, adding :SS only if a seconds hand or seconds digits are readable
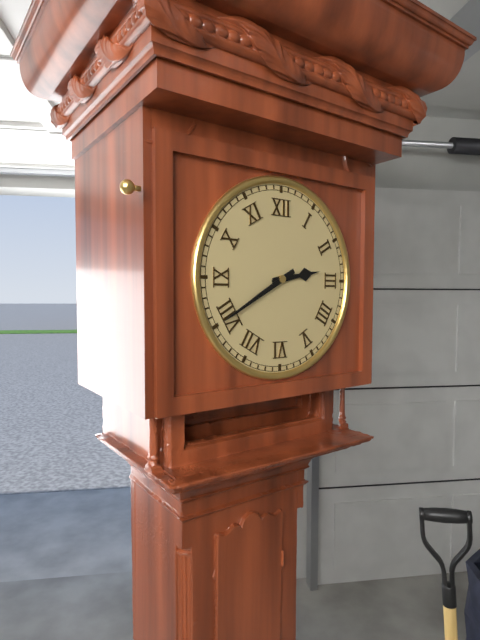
2:40
